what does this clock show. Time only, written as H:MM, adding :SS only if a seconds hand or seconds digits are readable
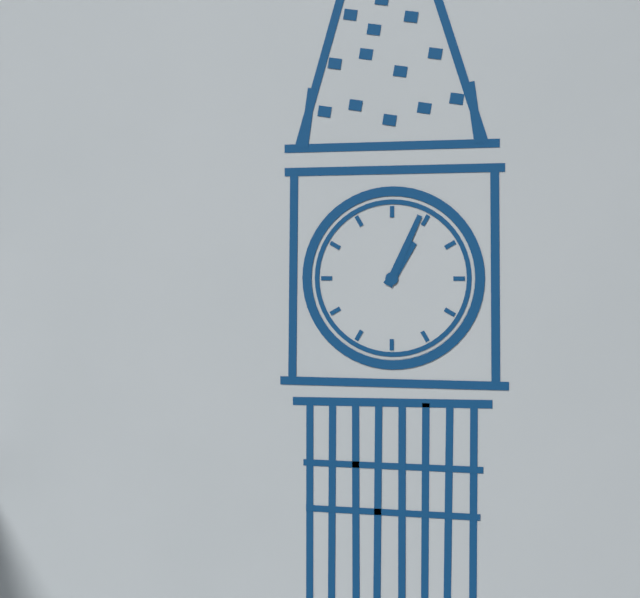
1:04
